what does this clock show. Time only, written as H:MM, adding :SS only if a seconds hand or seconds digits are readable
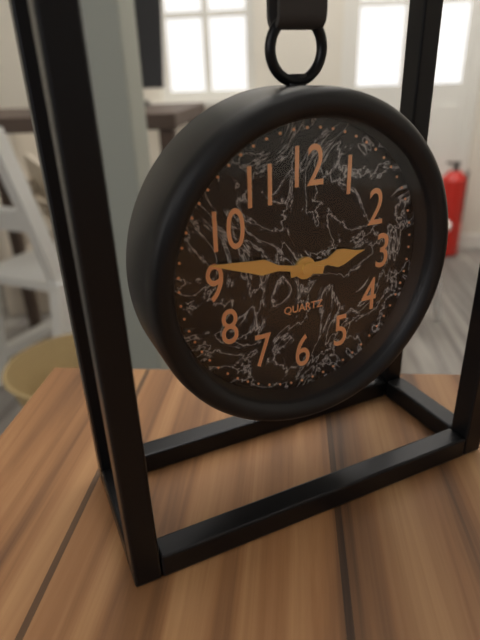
2:47
